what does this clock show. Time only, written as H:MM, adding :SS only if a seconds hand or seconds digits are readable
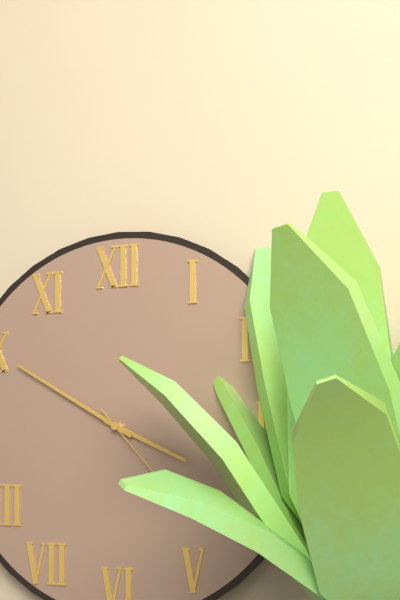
3:50
